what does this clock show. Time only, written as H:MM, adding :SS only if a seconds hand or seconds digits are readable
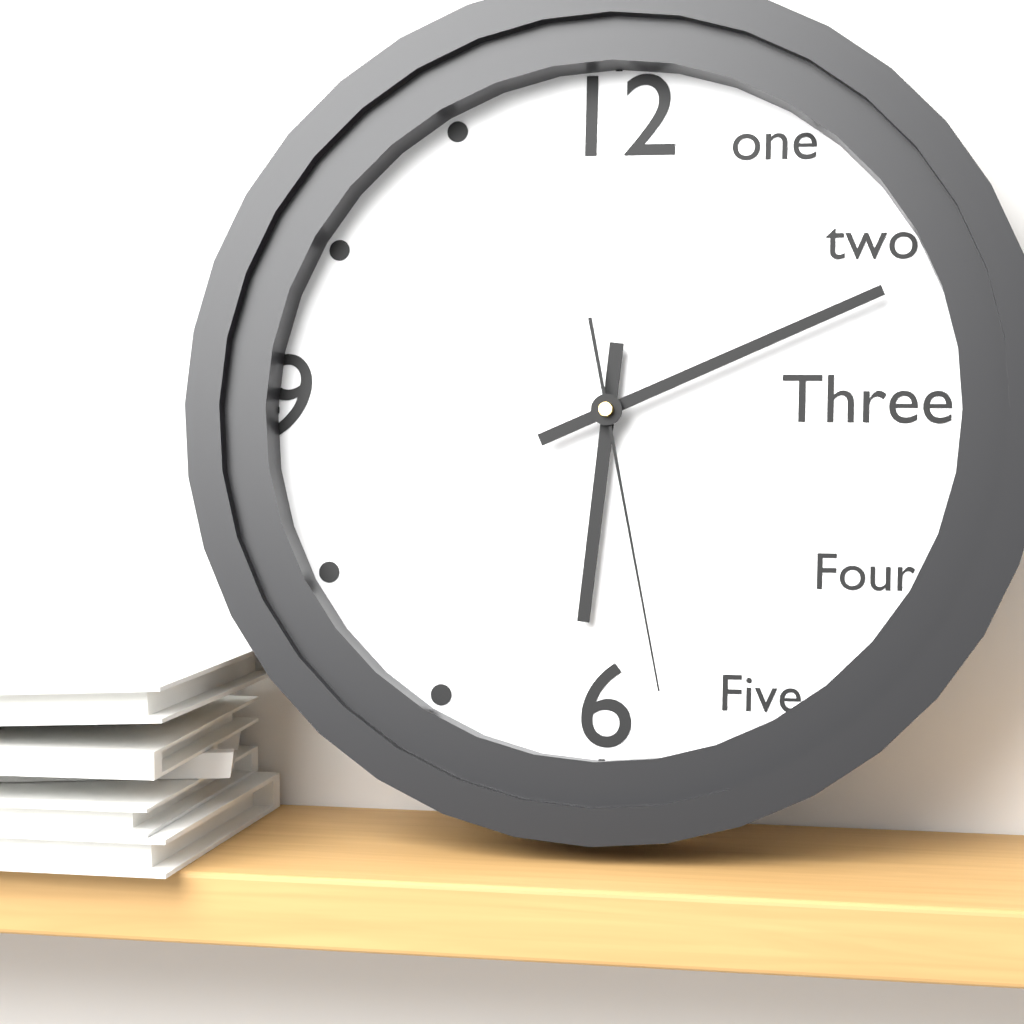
6:11:28
